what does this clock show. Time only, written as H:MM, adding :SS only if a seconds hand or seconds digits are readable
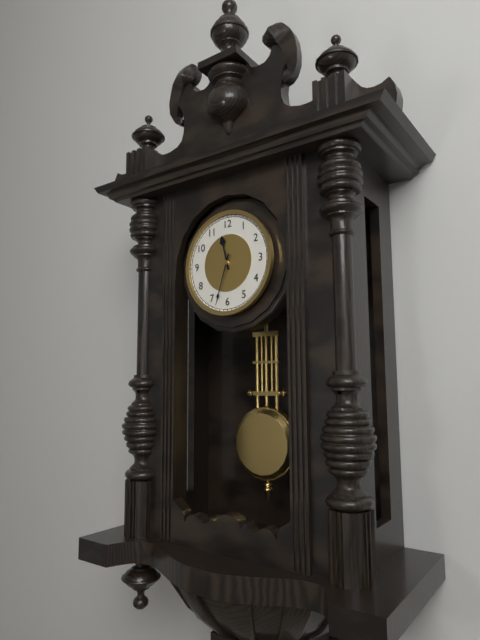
11:33
